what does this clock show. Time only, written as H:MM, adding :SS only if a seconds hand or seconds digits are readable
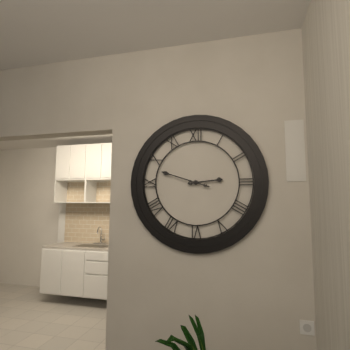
2:48
